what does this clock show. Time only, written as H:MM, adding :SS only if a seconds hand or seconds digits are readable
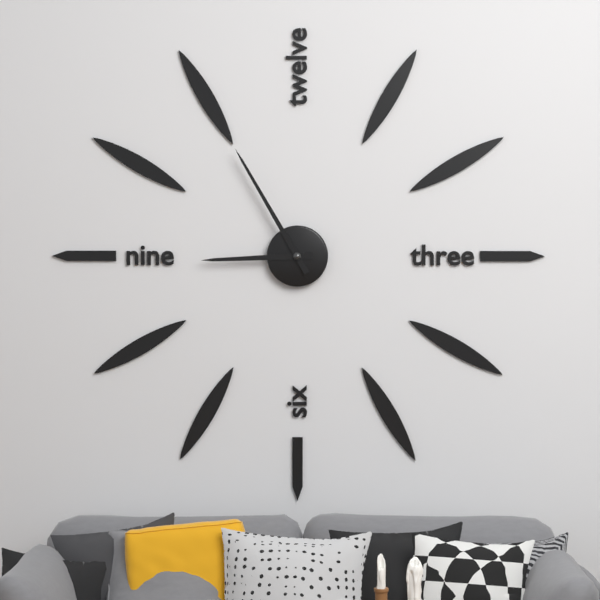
8:55
